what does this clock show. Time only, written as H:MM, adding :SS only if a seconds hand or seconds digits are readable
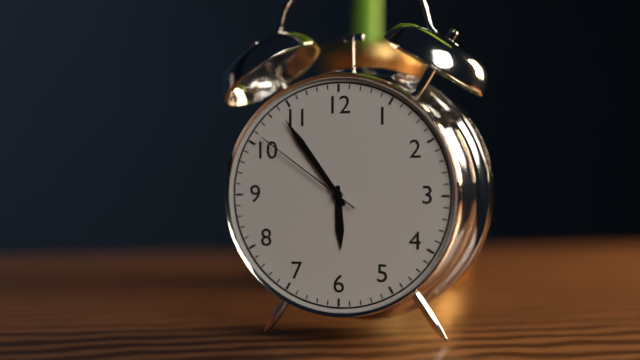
5:54:51
